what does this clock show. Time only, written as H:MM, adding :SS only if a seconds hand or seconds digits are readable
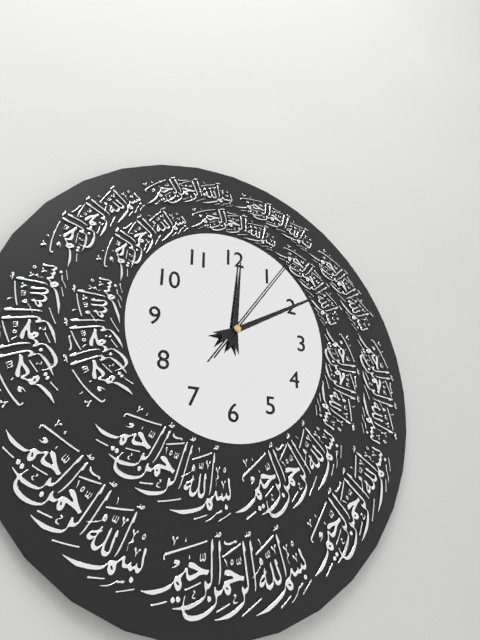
12:10:06
